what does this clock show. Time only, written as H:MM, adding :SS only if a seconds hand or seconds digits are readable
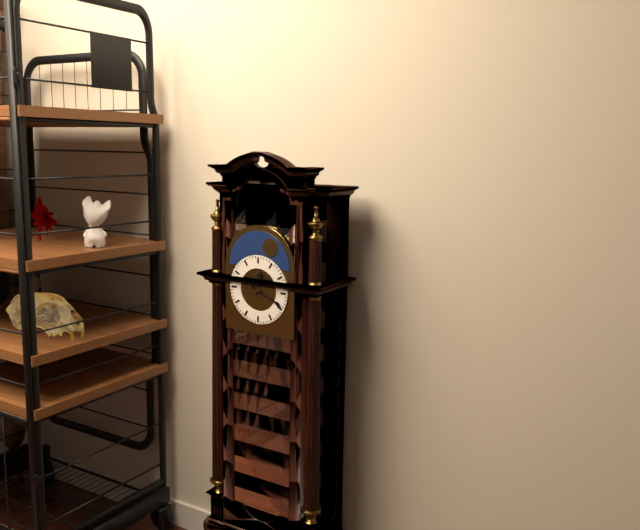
12:19
